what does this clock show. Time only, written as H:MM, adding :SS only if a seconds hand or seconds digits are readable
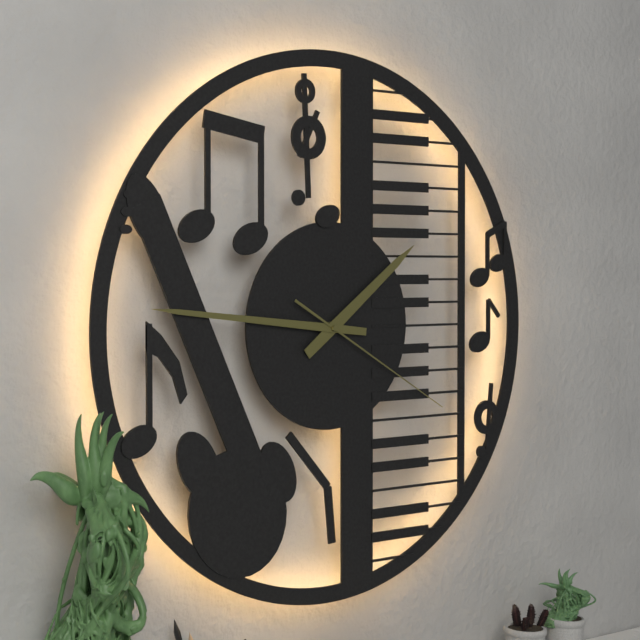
1:46:20
